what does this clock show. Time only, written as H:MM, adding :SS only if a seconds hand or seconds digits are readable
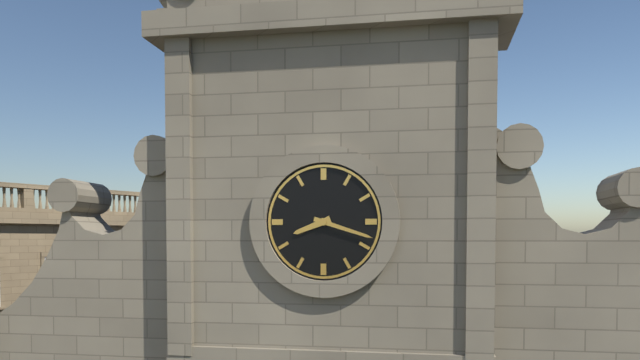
8:18
